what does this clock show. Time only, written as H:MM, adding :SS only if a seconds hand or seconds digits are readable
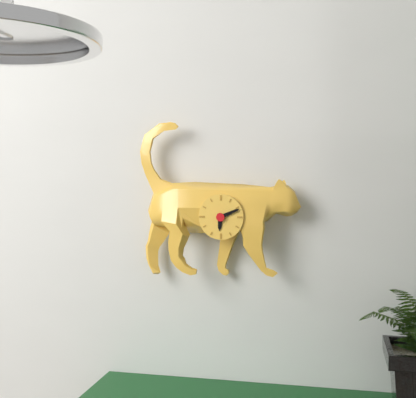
6:11
